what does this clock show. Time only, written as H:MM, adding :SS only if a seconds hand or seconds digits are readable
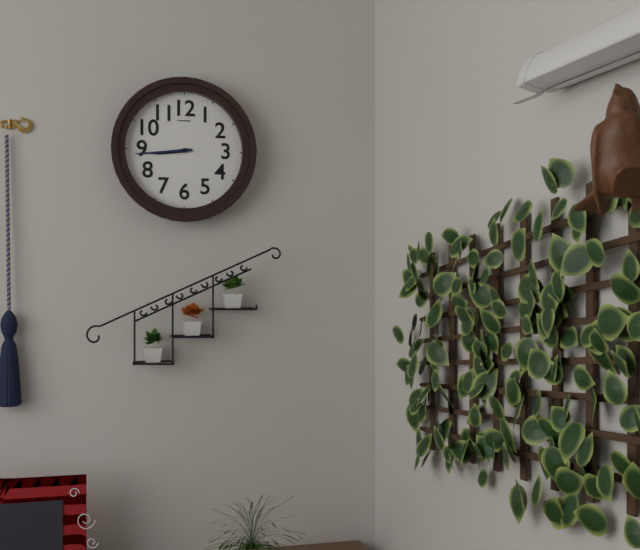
8:44
